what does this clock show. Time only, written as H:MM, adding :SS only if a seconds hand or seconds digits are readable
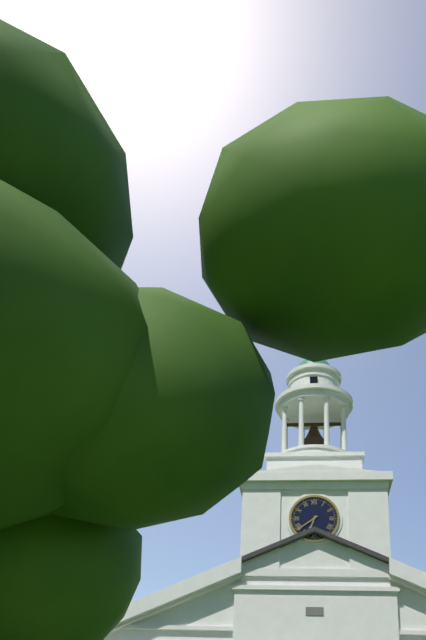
6:39
